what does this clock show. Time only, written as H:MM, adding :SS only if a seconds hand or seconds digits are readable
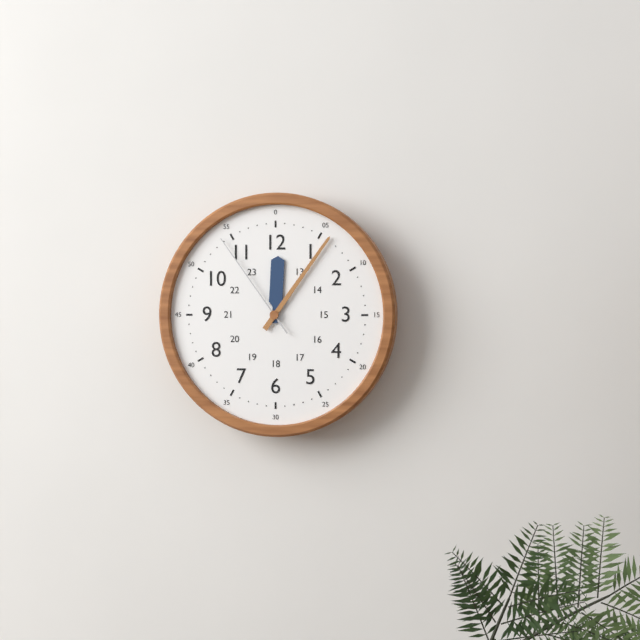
12:06:54
